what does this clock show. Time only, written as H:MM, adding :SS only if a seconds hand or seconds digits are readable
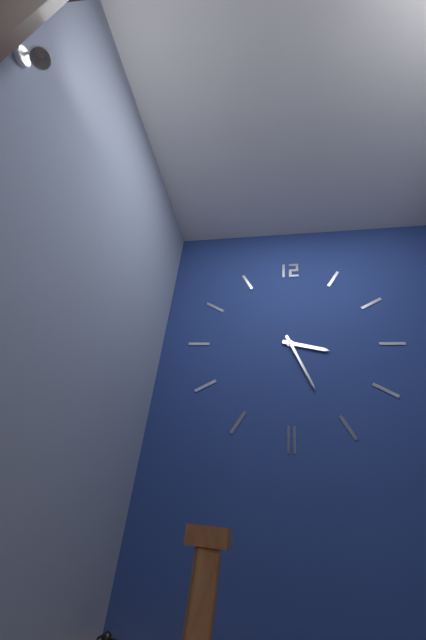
3:26
